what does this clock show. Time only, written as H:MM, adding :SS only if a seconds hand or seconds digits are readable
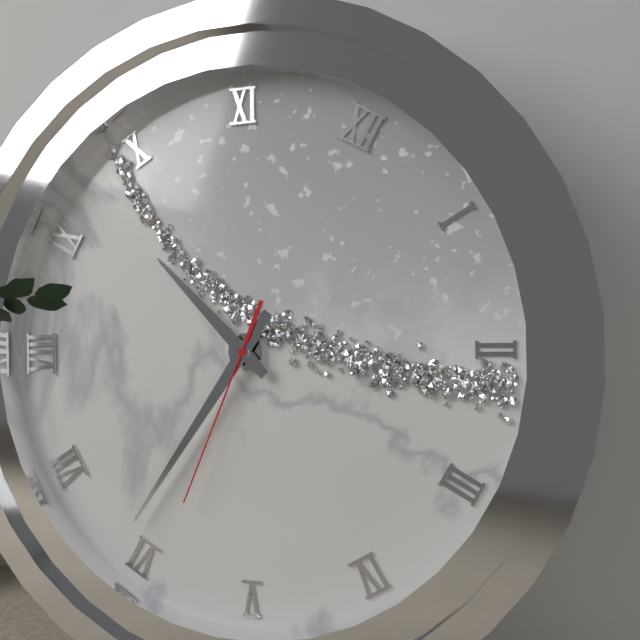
9:31:29
